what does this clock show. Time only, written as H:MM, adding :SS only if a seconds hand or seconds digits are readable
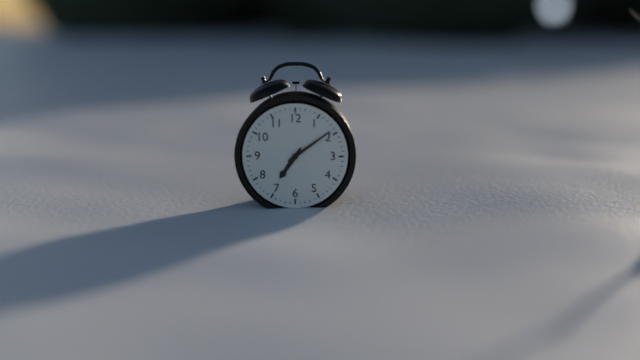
7:09
